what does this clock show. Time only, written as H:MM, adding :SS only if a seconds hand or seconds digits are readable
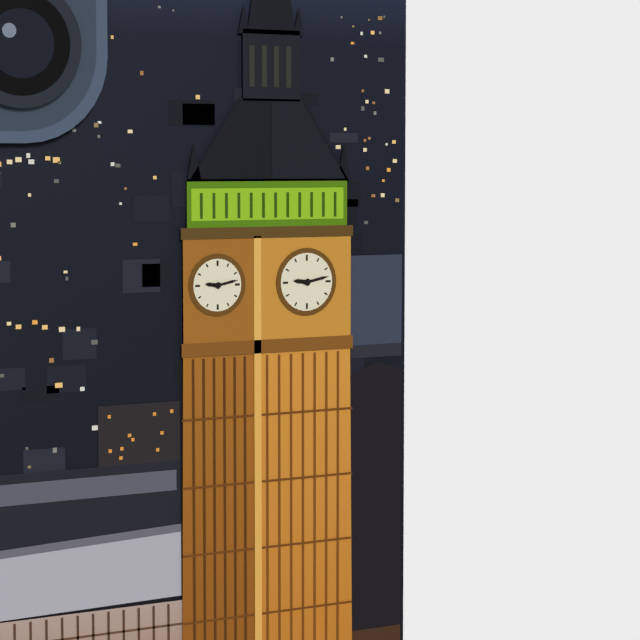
9:13
